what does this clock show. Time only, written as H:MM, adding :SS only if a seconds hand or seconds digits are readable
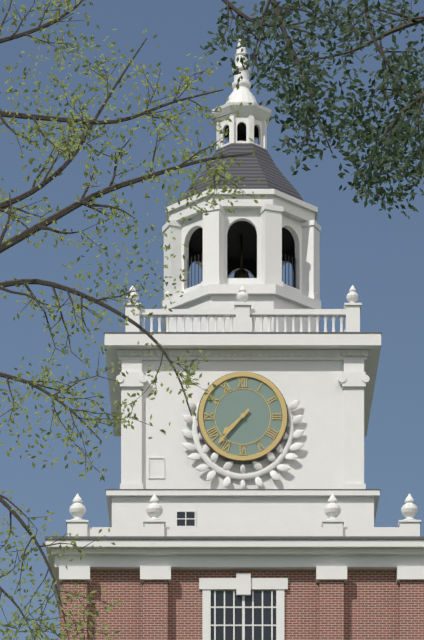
7:37
